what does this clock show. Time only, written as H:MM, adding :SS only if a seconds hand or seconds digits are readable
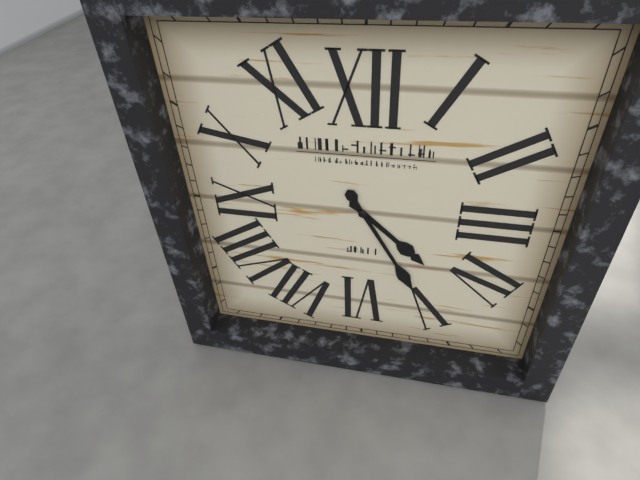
4:25
